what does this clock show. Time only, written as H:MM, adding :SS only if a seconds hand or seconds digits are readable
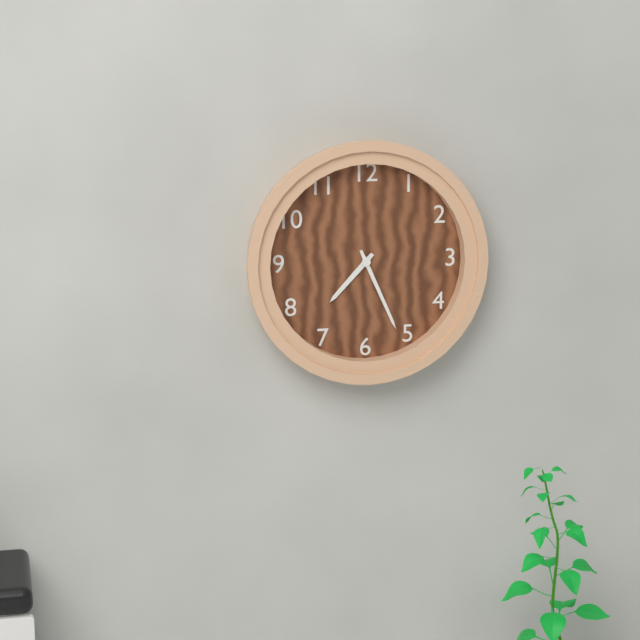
7:26
